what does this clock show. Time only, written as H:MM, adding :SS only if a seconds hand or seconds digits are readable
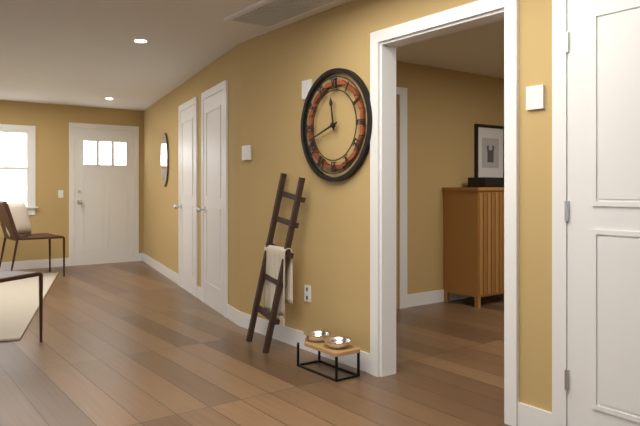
11:42
